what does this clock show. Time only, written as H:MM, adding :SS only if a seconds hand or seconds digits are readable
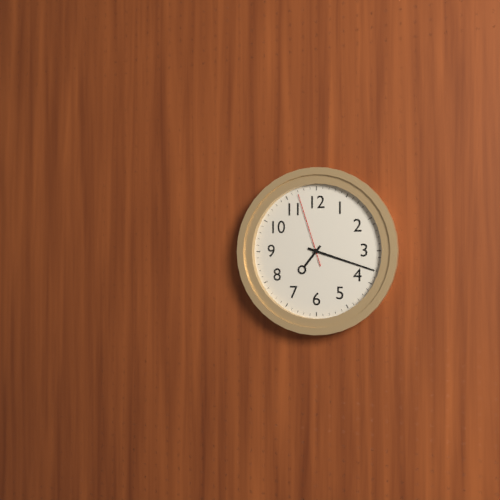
7:18:57
